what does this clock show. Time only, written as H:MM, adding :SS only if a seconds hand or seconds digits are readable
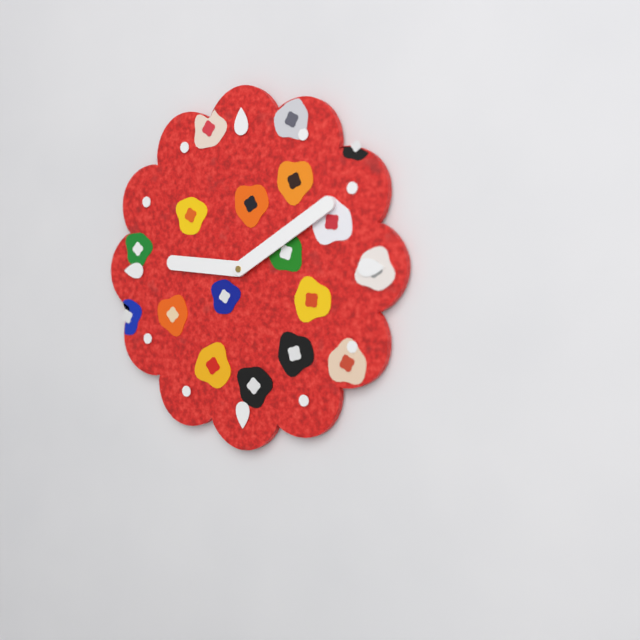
9:10
